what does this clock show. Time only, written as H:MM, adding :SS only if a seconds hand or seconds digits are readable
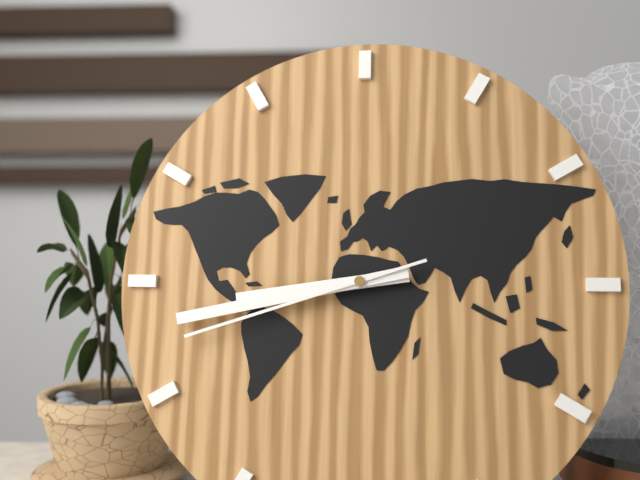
8:43:42
